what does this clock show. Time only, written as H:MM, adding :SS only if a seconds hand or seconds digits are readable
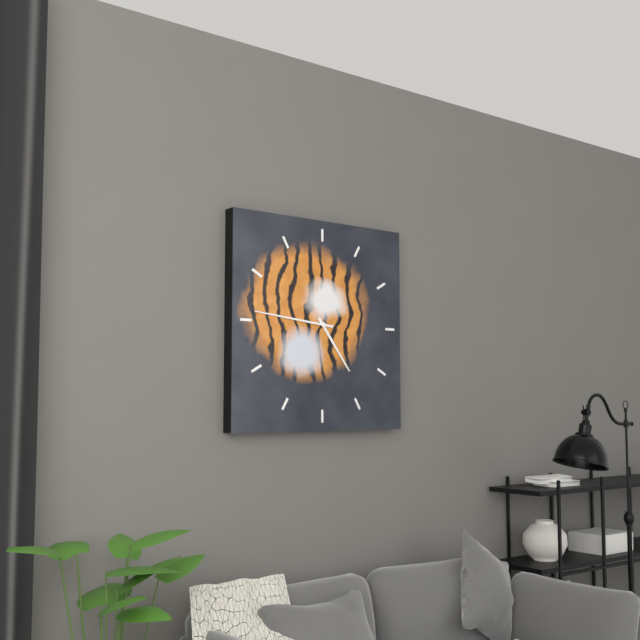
4:46
